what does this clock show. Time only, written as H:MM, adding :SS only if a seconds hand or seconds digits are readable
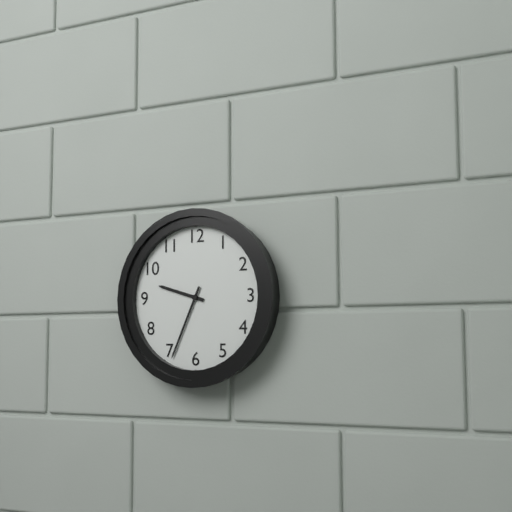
9:34
